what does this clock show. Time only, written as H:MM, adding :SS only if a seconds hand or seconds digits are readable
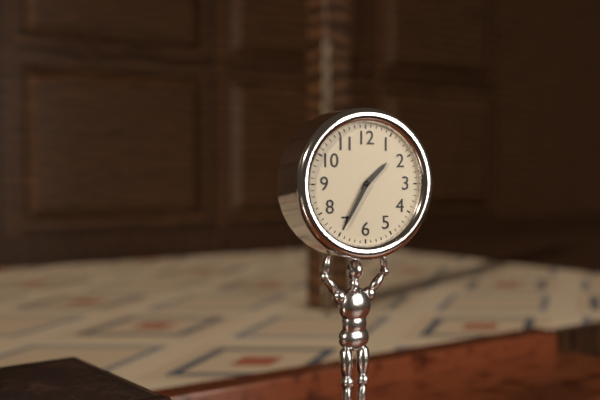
1:35
